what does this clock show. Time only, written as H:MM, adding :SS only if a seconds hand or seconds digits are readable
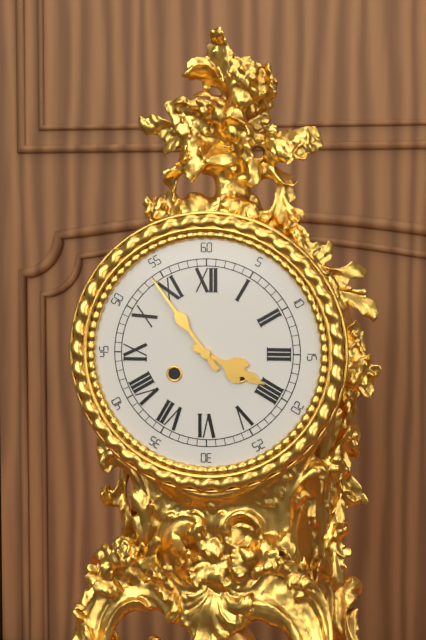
3:54
